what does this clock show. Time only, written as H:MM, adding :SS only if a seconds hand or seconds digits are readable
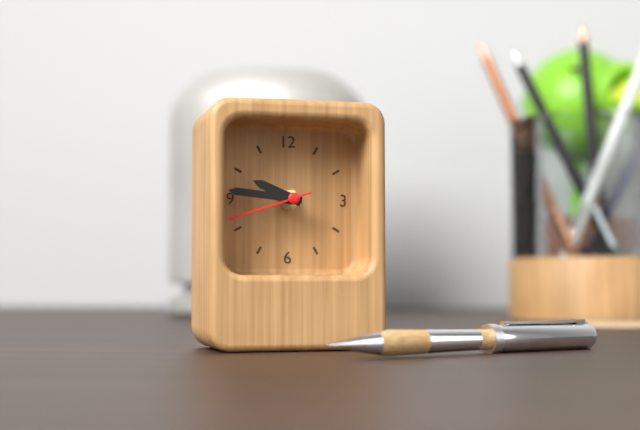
9:46:42
